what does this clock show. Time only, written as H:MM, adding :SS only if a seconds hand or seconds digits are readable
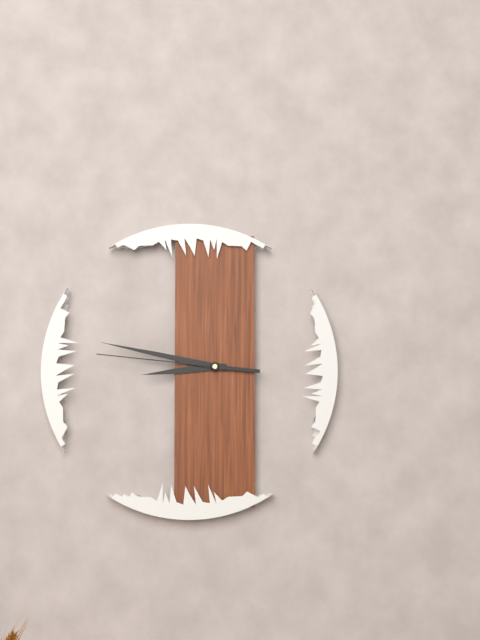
8:47:46
